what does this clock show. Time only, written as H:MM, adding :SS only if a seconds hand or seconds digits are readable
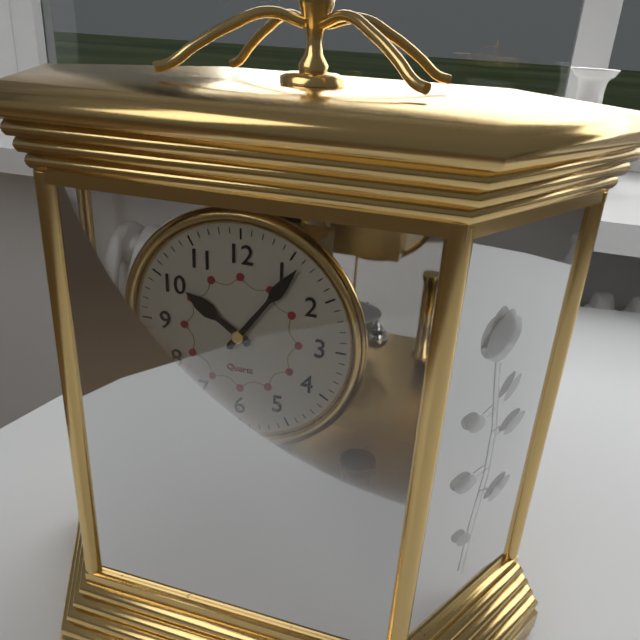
10:06
